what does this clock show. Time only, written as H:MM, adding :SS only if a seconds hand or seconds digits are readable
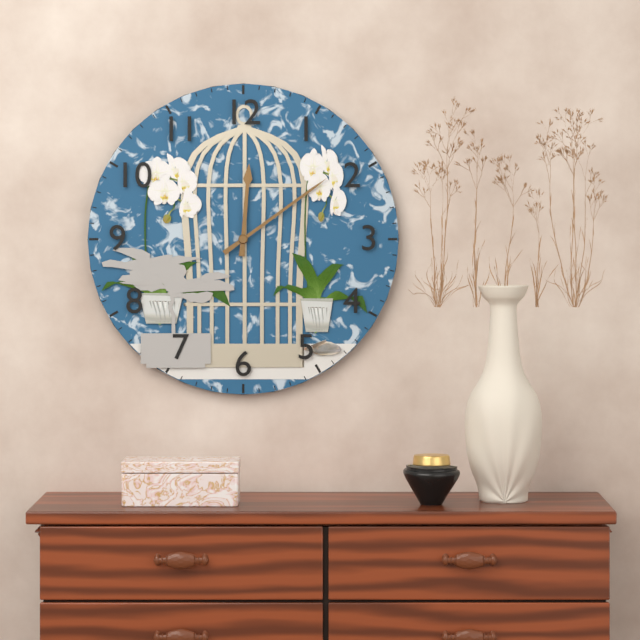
12:09
